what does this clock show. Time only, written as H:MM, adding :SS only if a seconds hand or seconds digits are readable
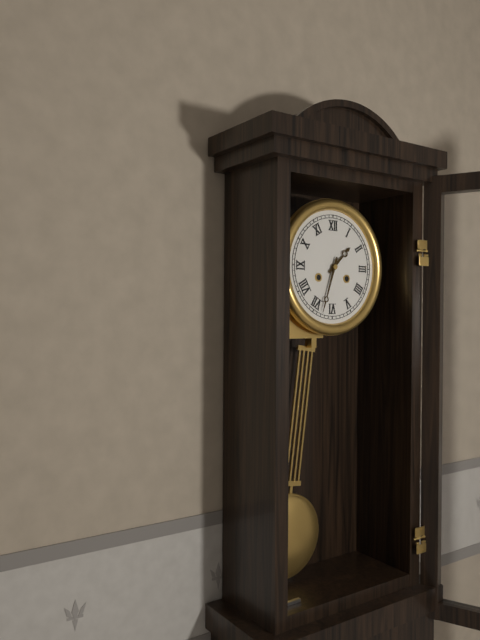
1:33
